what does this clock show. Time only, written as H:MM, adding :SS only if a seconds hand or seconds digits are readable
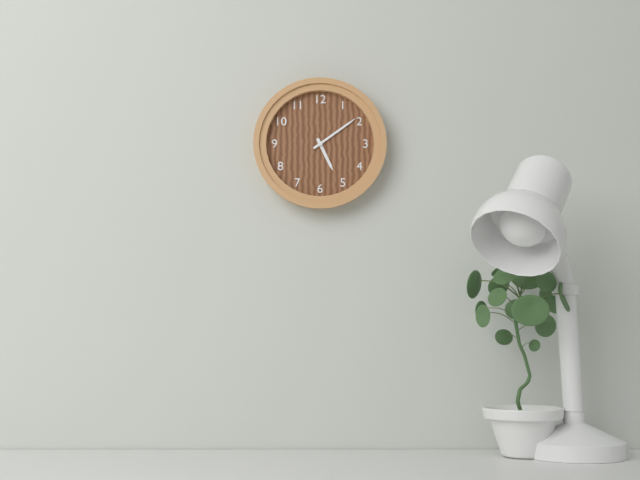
5:09
